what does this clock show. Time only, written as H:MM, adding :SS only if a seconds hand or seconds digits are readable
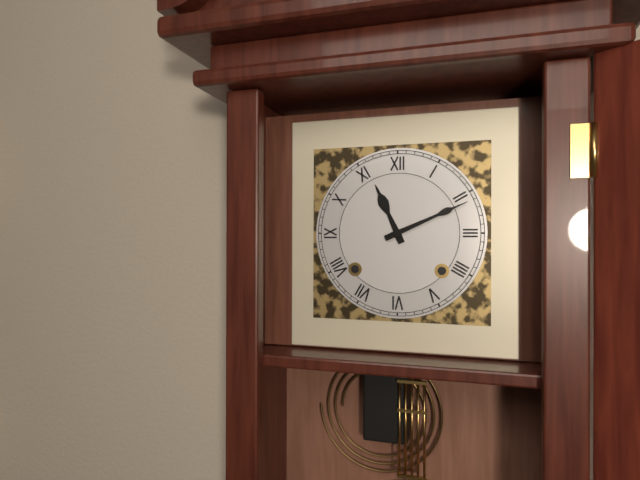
11:11
